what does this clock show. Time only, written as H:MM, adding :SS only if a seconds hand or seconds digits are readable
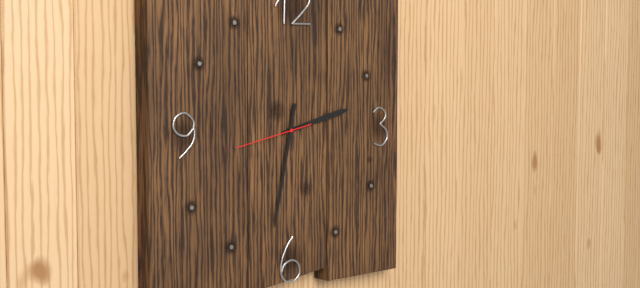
2:32:43
